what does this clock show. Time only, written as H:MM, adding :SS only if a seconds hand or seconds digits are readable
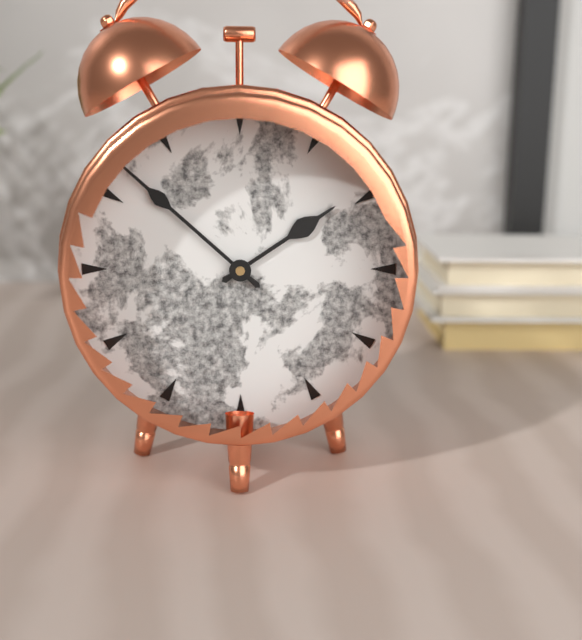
1:52
